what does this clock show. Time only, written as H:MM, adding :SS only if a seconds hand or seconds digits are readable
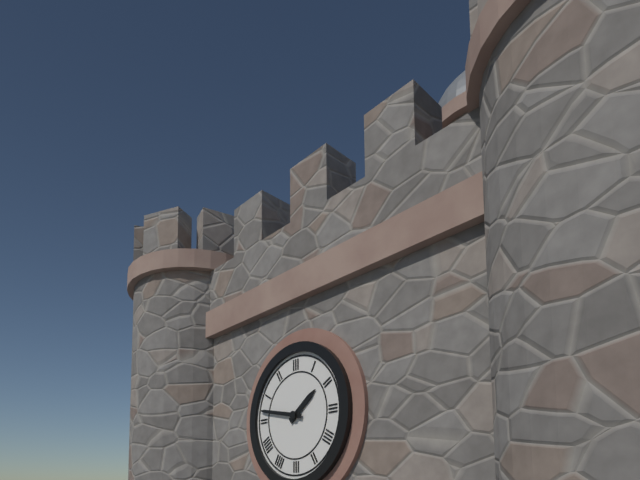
1:47
